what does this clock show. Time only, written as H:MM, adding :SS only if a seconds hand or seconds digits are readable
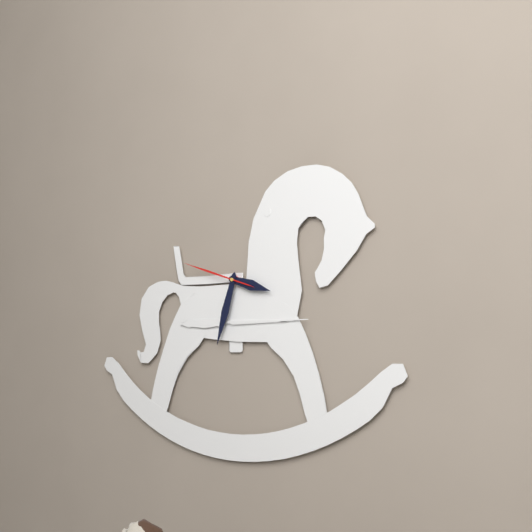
3:33:48
